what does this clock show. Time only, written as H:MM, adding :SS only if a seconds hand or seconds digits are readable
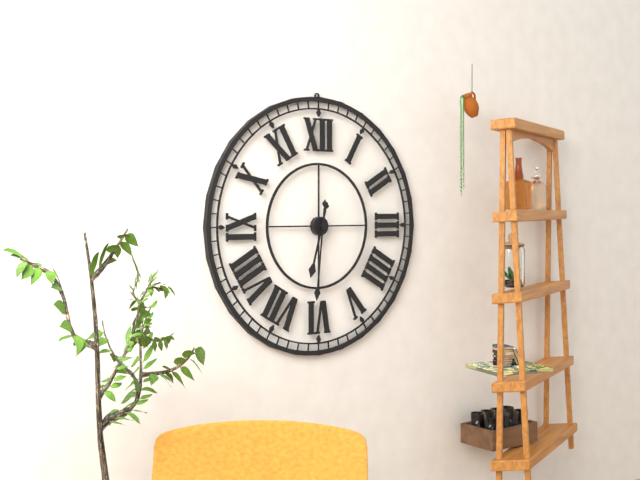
6:31
